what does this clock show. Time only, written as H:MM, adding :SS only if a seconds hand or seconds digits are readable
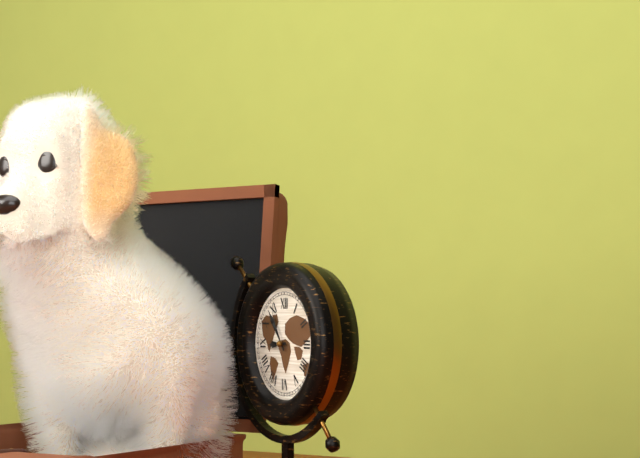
8:54
